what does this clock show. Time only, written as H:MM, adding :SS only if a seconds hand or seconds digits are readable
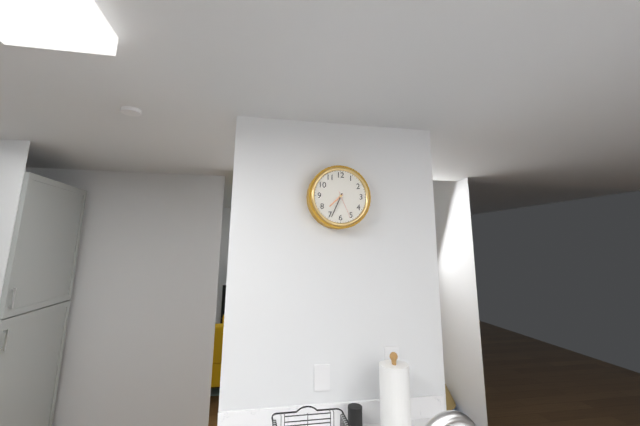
7:34
